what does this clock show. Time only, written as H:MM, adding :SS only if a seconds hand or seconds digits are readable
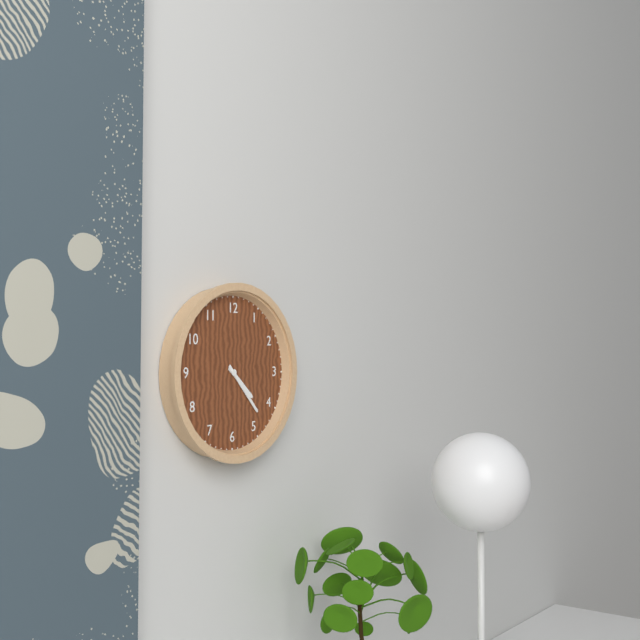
4:23
